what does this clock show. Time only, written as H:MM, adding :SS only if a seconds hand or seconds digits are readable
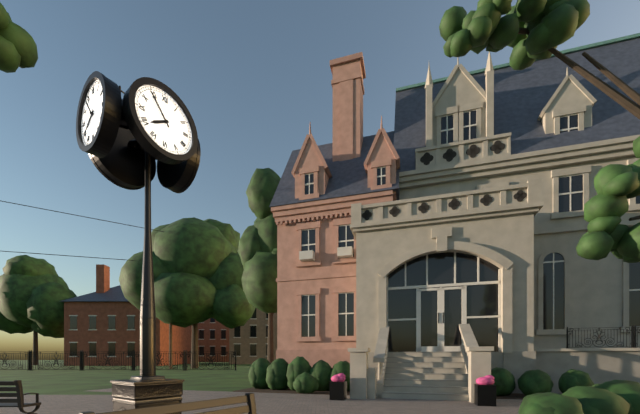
7:54
